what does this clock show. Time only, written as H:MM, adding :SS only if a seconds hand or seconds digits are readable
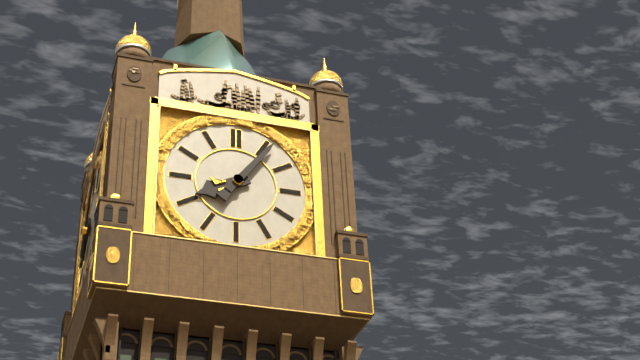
8:06
